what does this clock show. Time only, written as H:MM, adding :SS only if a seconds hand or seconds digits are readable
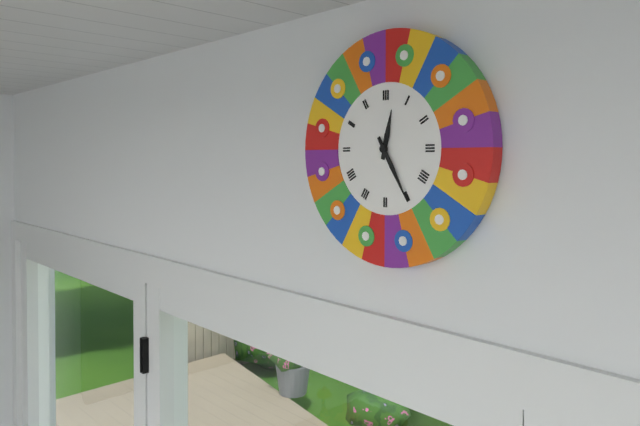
12:25
